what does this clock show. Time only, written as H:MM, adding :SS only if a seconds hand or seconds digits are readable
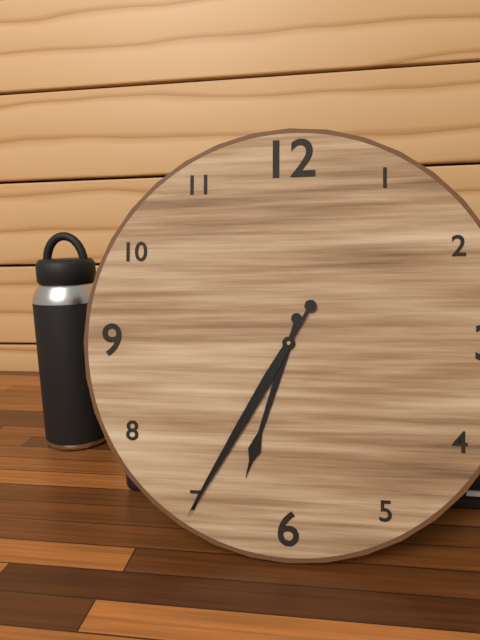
6:35
